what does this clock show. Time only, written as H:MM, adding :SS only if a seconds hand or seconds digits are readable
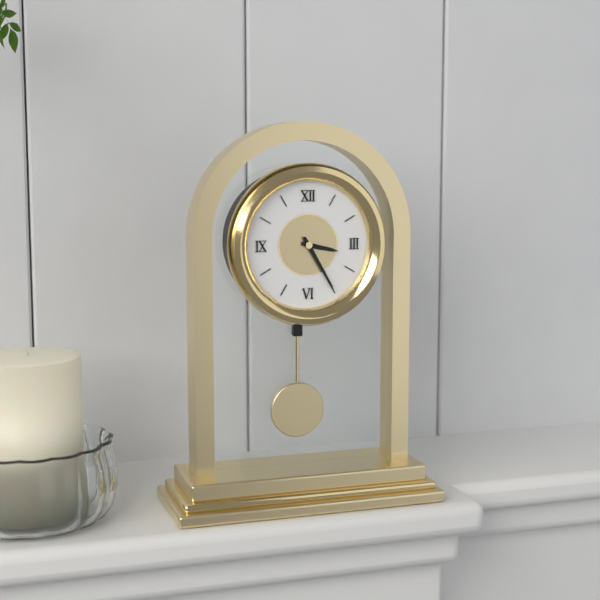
3:25
